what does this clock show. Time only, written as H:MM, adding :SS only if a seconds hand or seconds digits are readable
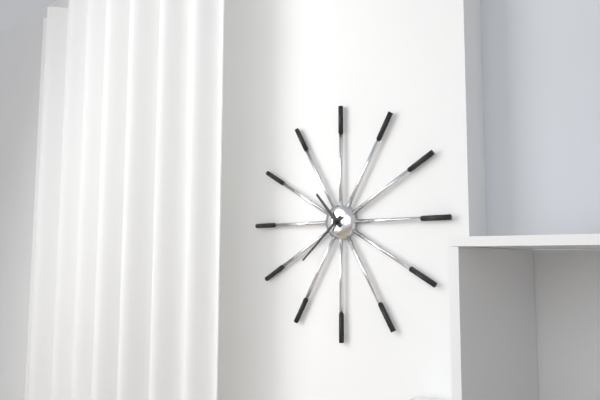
10:38
